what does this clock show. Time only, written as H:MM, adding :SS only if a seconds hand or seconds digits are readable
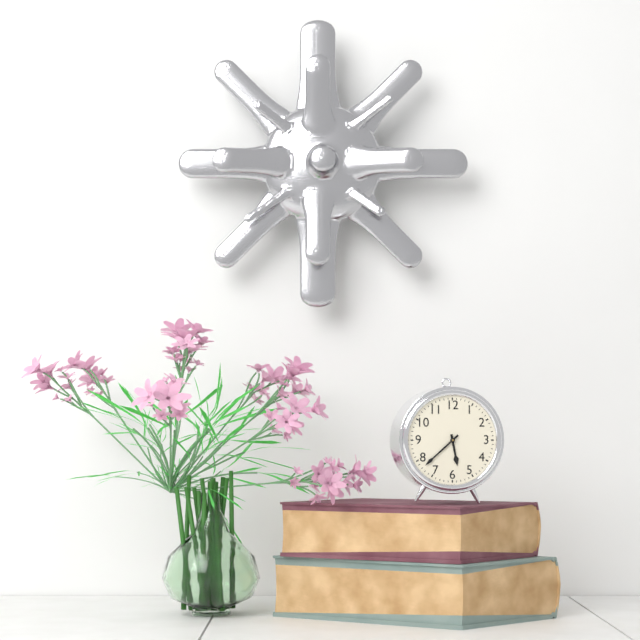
5:38
